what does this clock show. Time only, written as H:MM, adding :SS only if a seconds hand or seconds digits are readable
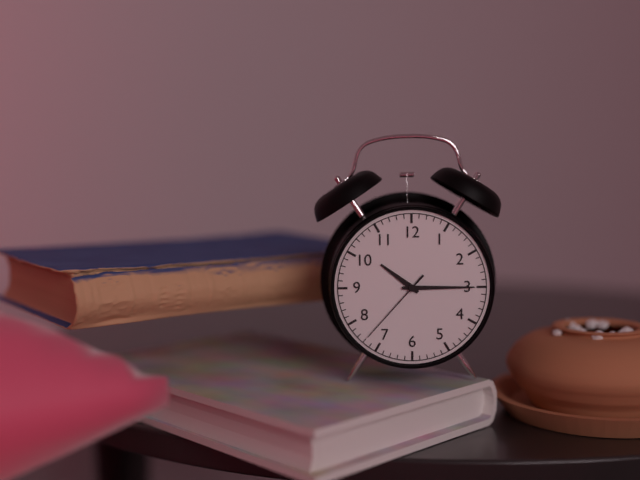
10:15:37
